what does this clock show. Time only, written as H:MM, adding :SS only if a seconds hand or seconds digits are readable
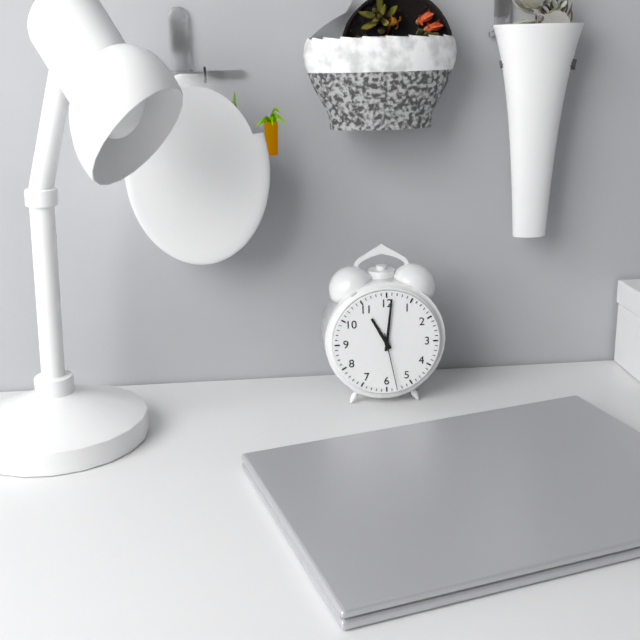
11:01:28
